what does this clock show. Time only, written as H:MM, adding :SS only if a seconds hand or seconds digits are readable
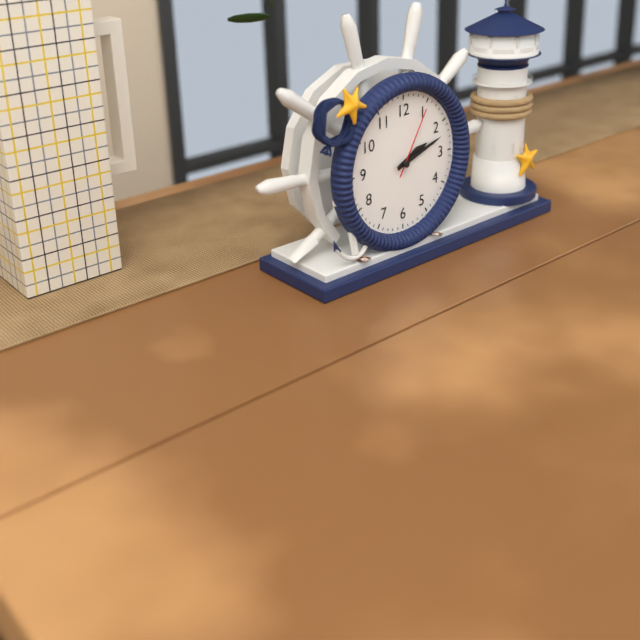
2:12:05
